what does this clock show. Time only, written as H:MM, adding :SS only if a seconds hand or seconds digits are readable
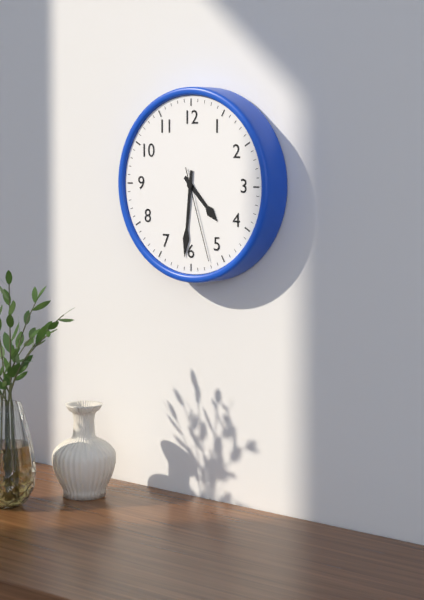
4:31:27
